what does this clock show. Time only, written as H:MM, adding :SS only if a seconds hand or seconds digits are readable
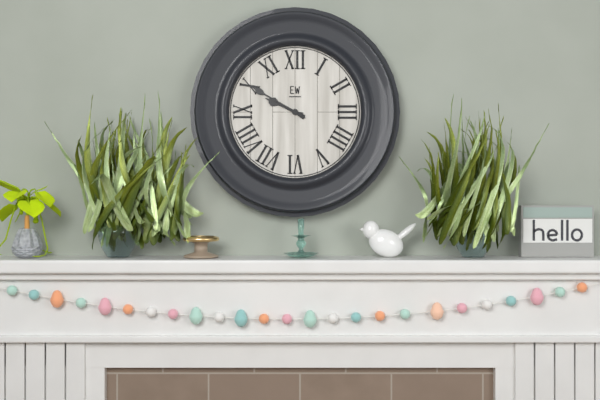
9:50
